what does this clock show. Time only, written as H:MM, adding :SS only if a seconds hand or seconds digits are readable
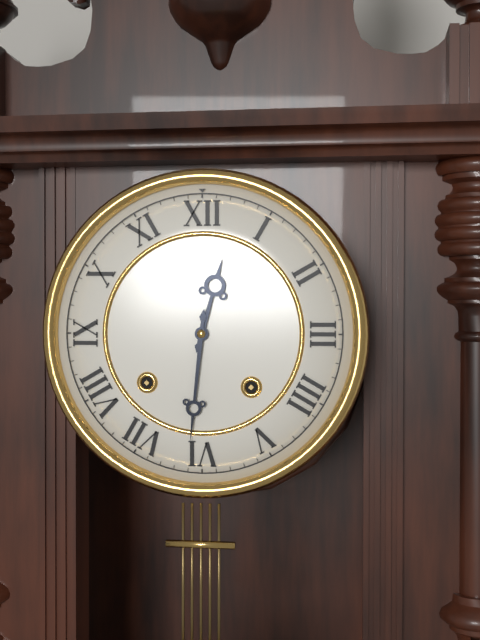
12:31
